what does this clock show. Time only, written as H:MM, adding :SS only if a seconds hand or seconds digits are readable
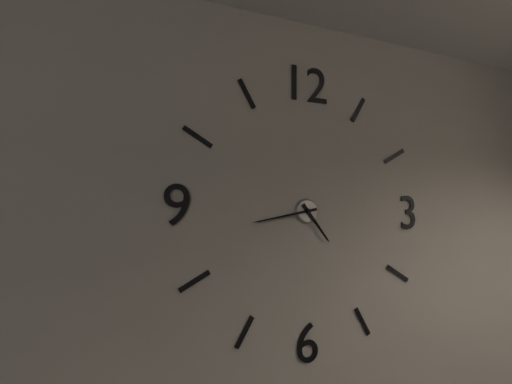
4:43
